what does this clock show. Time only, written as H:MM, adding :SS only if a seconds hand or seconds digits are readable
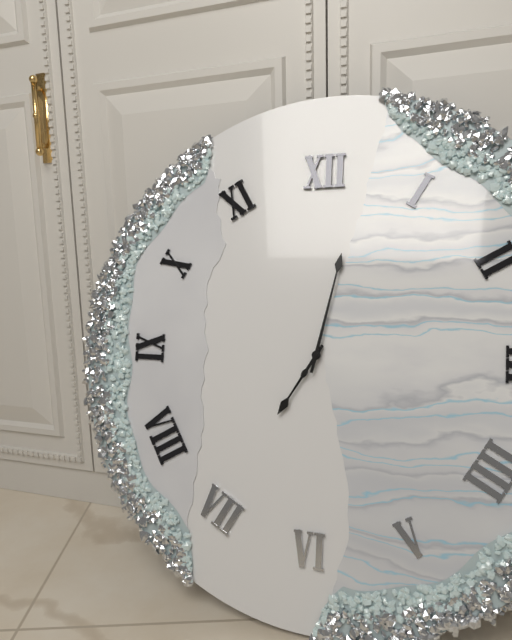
7:02
